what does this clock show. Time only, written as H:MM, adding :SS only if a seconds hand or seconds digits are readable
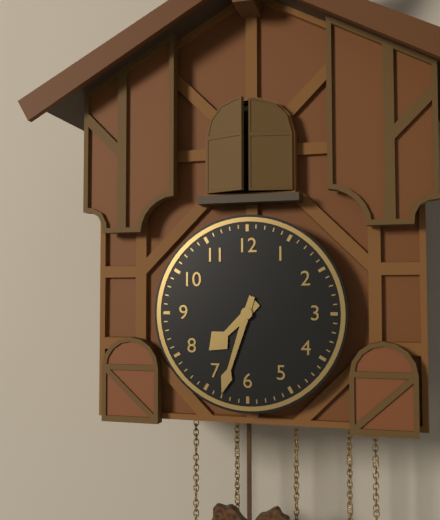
7:33
